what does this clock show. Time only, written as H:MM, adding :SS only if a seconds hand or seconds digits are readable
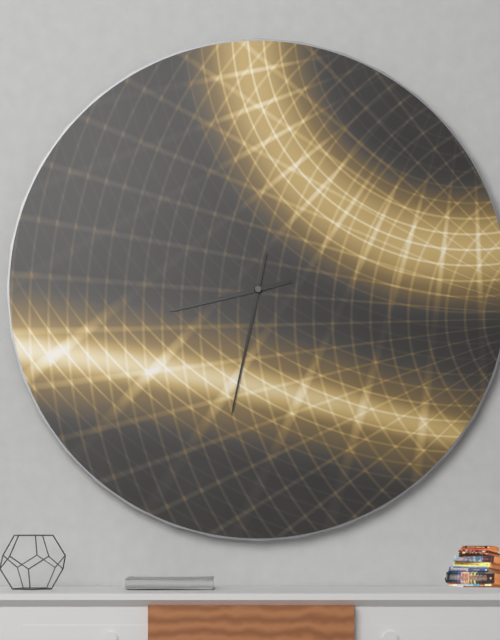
8:32
